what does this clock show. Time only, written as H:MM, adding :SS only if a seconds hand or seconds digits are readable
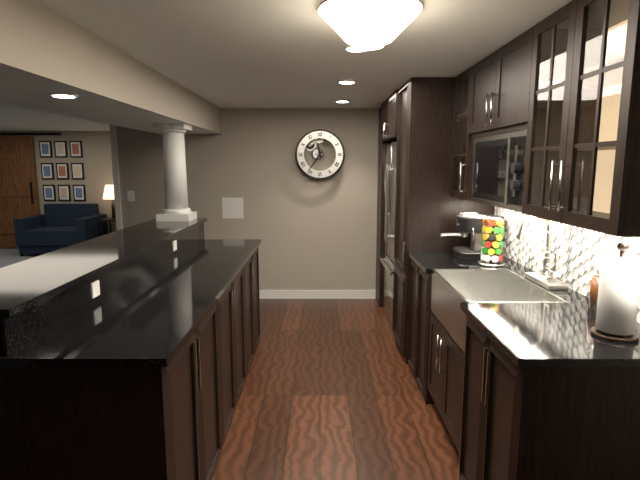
11:36
